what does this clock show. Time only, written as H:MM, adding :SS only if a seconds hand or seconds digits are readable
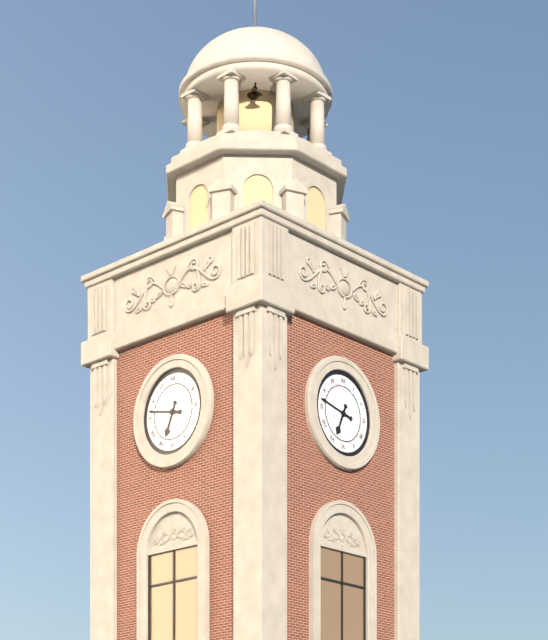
6:47
